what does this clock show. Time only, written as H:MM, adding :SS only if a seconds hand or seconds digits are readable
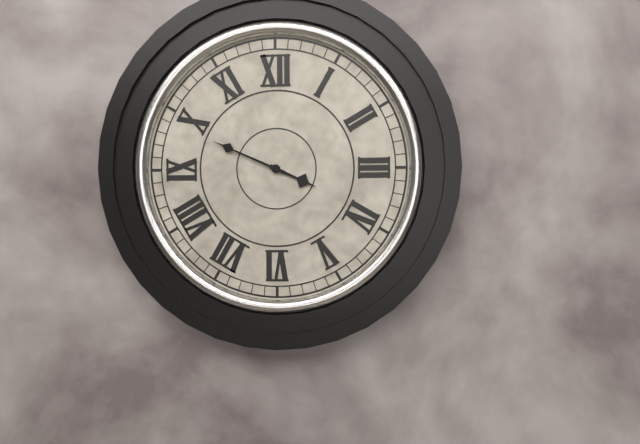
3:49
